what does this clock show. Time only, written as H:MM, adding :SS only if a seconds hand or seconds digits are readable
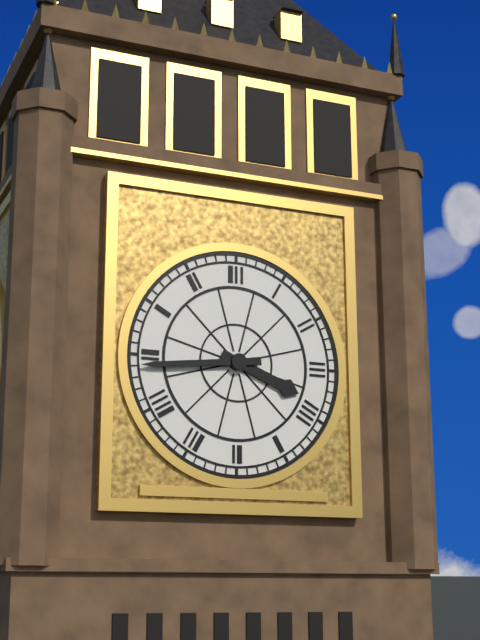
3:44
